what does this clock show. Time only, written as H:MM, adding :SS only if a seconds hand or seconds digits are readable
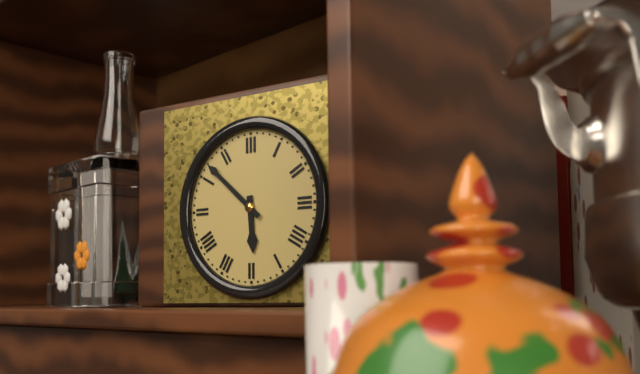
5:52
